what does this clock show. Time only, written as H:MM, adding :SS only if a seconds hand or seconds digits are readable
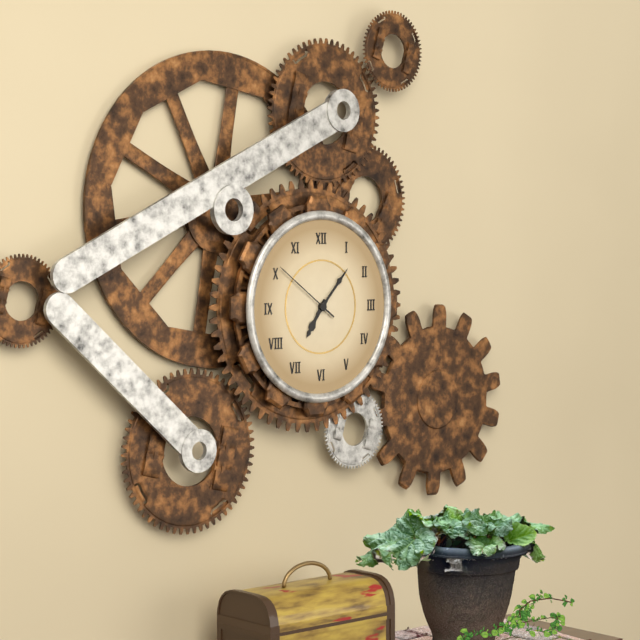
7:07:51
